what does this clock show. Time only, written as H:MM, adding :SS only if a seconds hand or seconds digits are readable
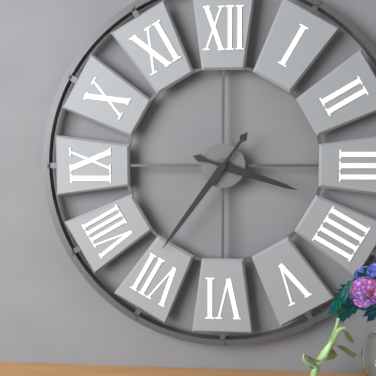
3:36
